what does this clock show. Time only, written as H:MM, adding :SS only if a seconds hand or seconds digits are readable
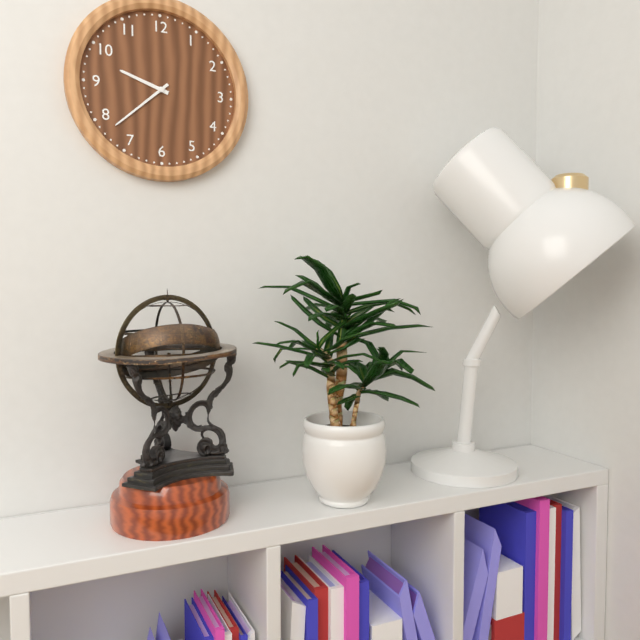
9:38
